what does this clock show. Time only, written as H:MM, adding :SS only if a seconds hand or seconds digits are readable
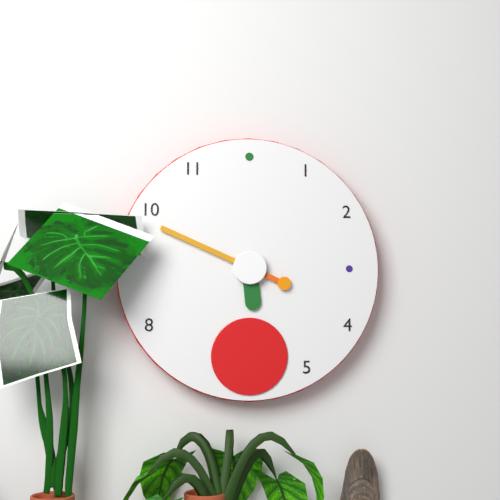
5:49
